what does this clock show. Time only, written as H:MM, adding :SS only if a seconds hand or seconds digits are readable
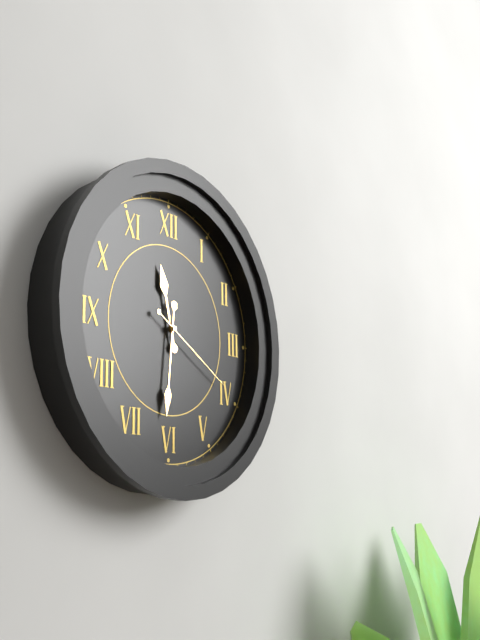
11:31:20
